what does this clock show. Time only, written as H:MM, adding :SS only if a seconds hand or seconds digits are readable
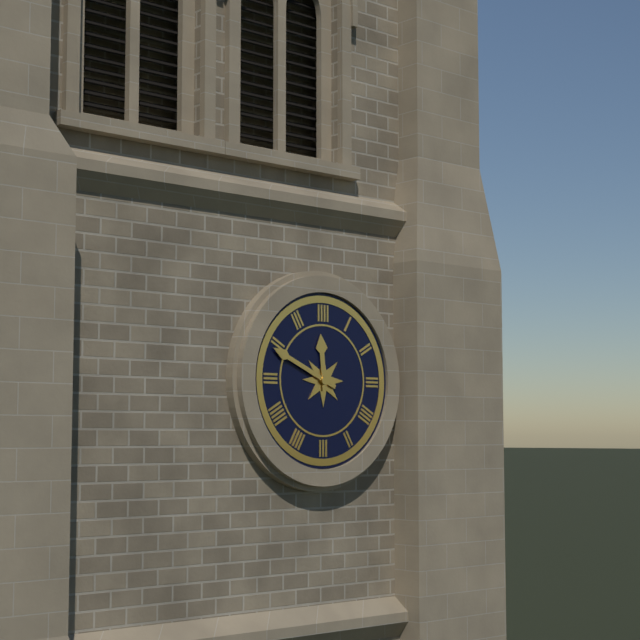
11:49
